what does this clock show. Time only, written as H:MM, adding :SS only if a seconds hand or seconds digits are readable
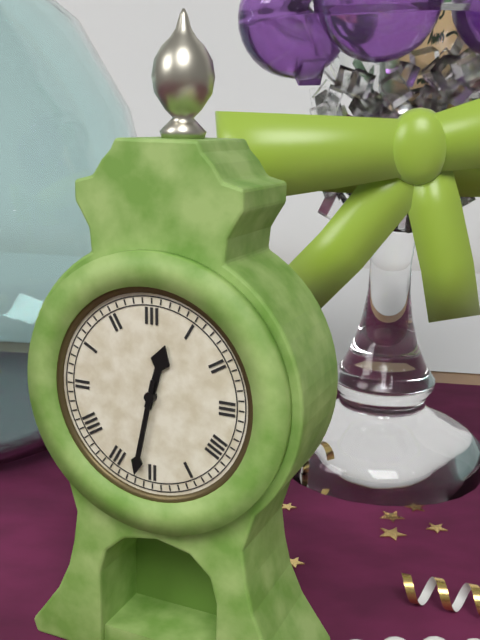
12:32
